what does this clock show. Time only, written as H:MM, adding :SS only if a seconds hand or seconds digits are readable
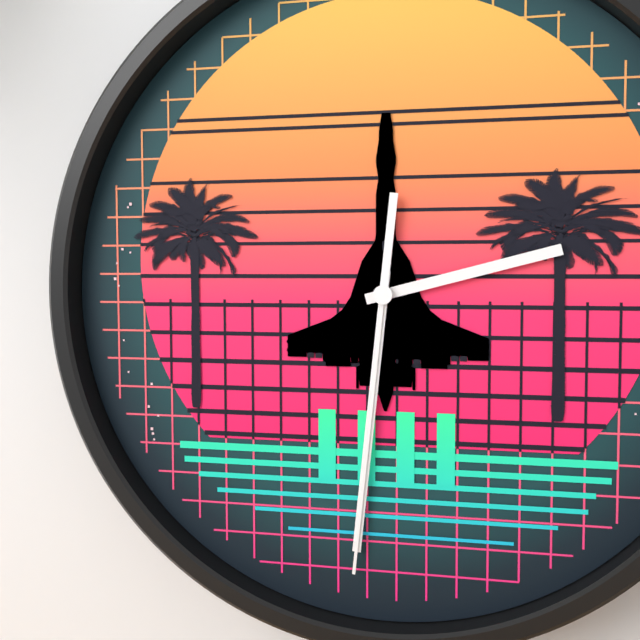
2:31:31
